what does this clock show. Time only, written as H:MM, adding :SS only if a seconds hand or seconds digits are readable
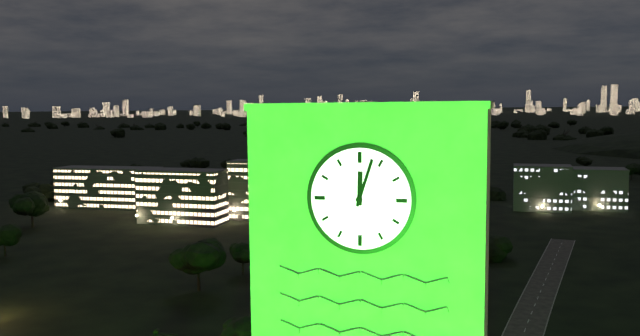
12:03
